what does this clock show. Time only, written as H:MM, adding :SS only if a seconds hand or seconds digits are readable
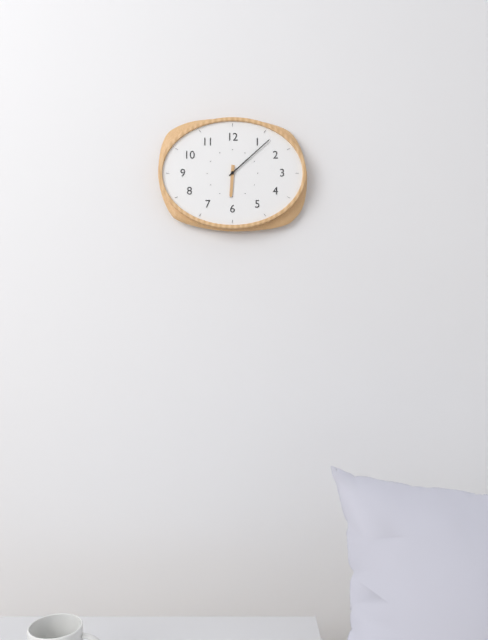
6:08
